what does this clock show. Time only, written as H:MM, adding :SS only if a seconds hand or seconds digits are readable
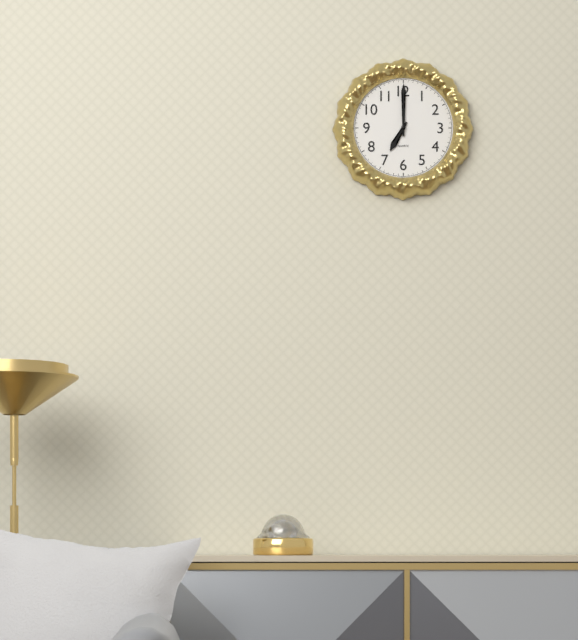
7:00
